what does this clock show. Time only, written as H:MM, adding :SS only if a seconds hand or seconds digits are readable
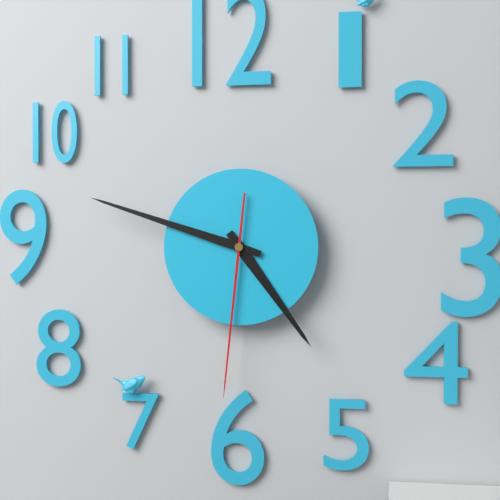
4:48:31
